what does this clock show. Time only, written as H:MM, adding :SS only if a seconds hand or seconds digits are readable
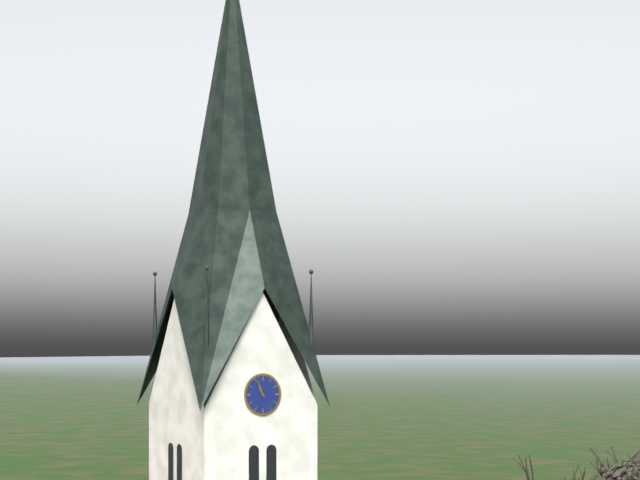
10:56
